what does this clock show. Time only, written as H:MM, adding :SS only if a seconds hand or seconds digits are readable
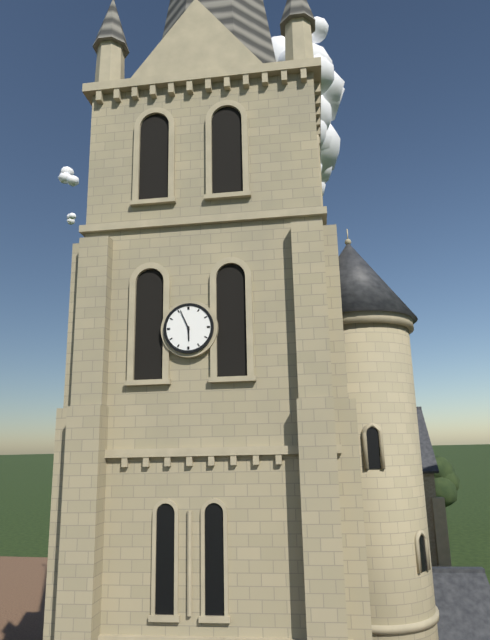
5:56
